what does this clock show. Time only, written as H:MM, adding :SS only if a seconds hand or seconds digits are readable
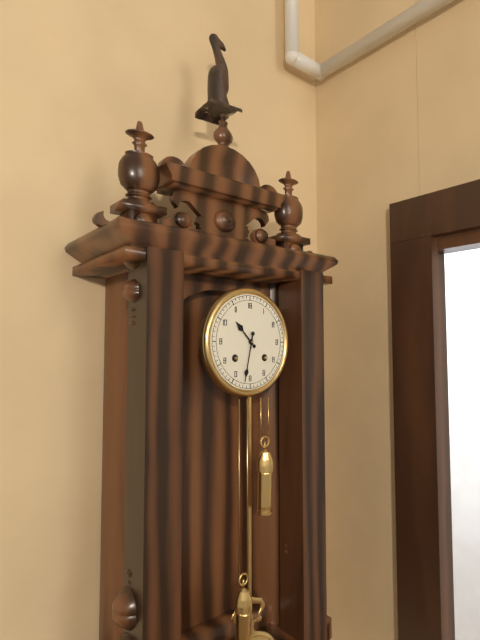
10:32
